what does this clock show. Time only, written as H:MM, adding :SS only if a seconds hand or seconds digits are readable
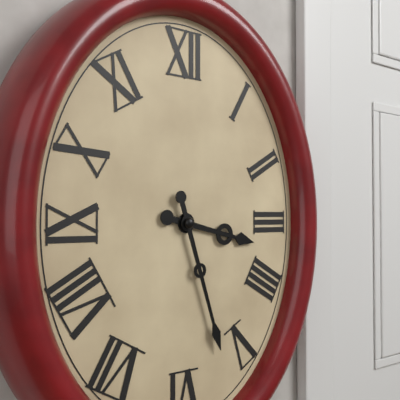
3:27
